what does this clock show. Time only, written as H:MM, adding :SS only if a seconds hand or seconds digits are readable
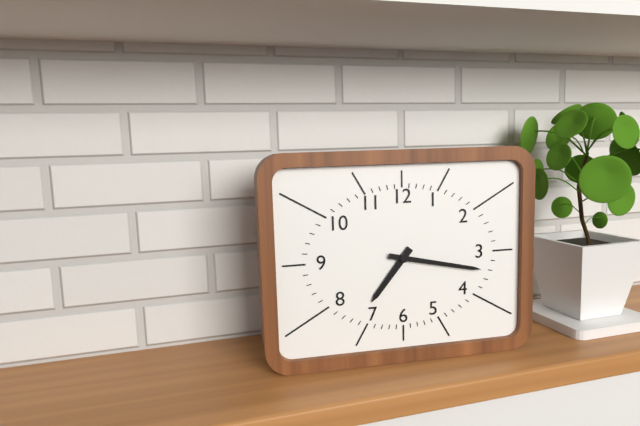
7:17
